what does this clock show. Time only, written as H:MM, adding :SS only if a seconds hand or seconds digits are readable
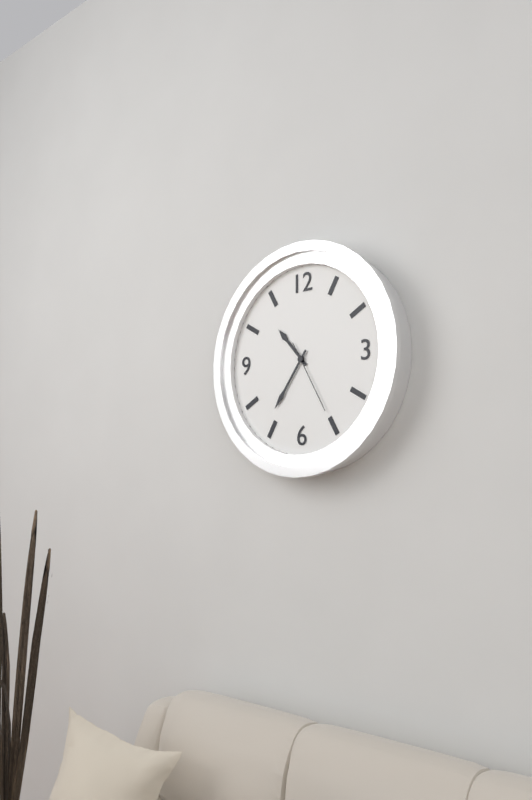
10:36:25
